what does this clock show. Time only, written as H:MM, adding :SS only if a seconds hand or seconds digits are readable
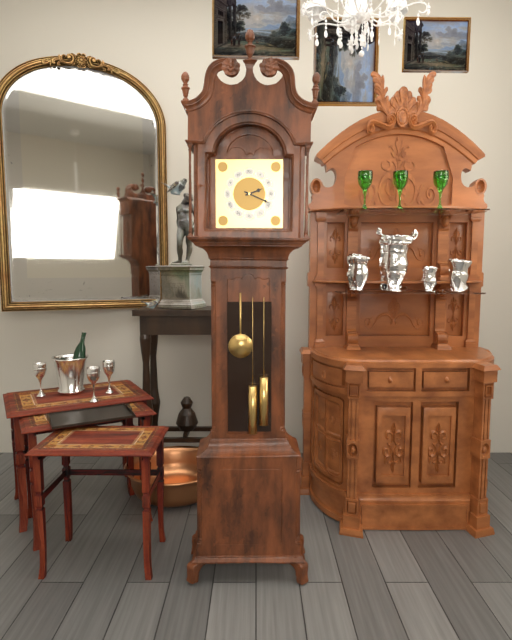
2:19
